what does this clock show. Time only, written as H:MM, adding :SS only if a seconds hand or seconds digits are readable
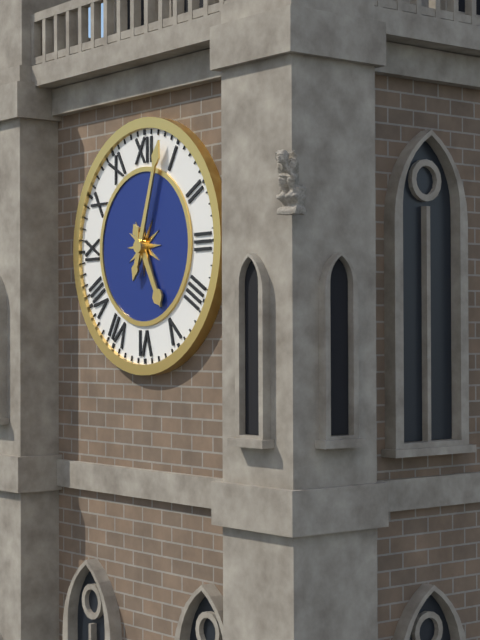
5:03
